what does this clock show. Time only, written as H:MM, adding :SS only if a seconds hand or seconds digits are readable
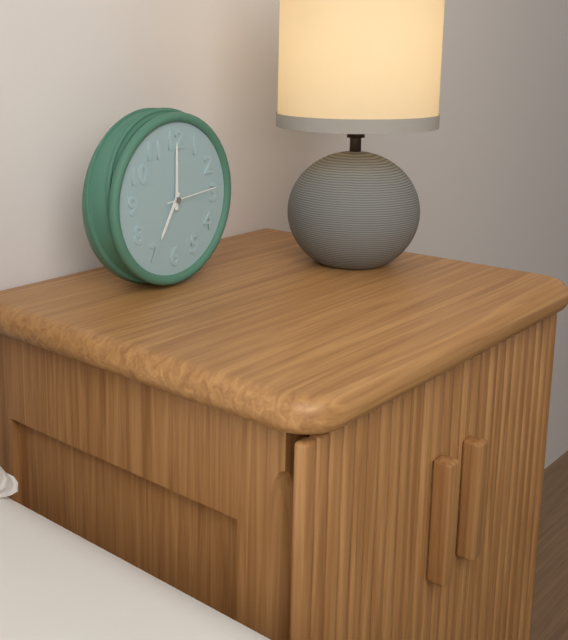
7:00:14
